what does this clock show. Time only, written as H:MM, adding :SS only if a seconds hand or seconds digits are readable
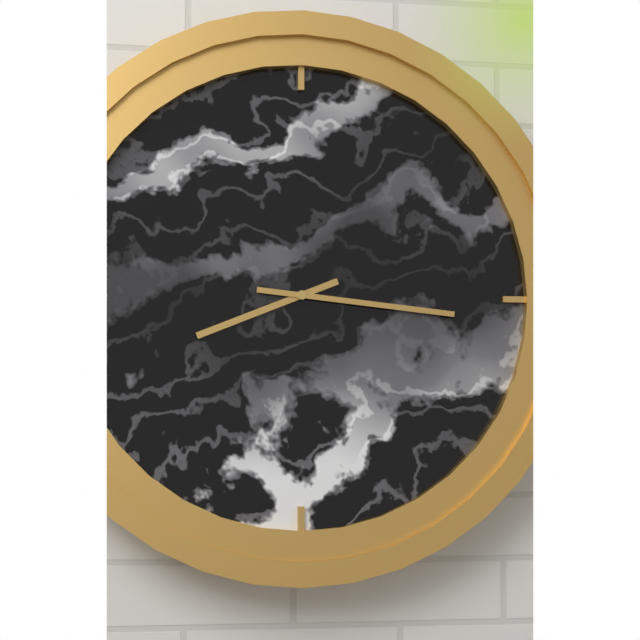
8:16
